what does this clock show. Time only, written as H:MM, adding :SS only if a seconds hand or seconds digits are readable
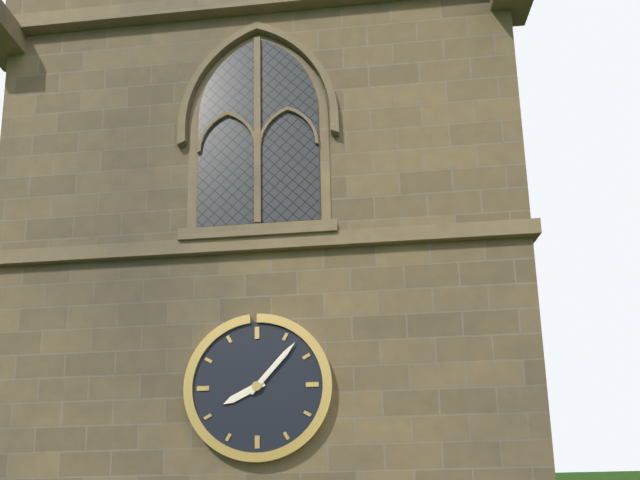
8:07
